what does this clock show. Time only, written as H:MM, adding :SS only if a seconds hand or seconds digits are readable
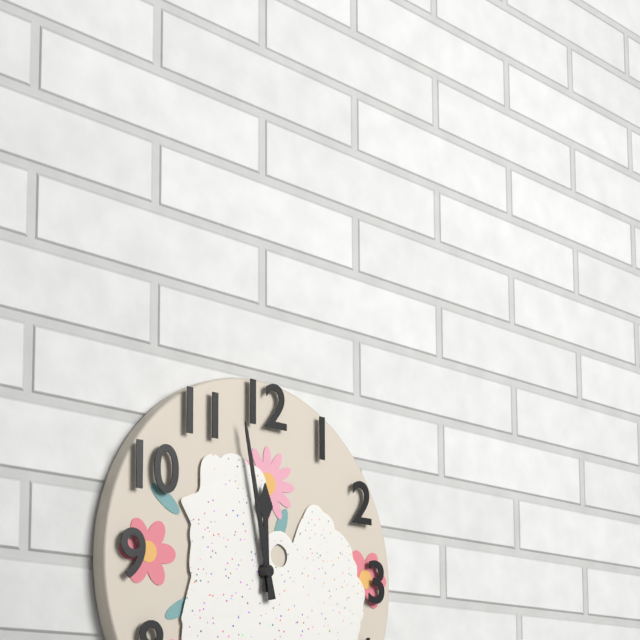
11:58
